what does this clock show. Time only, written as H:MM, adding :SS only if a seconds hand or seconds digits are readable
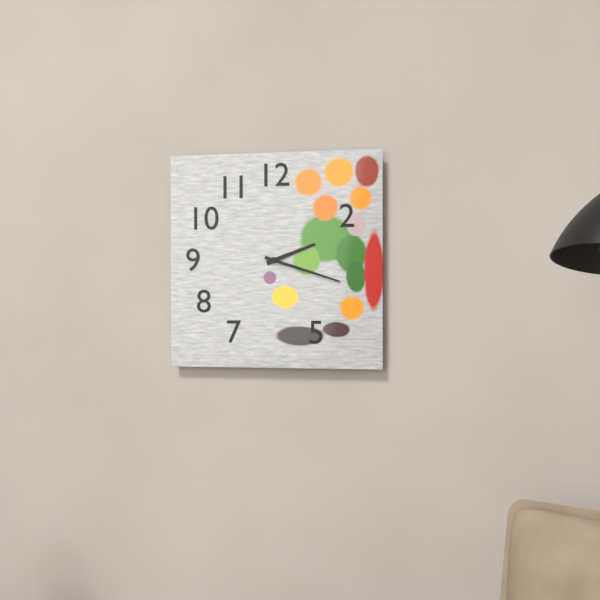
2:18
